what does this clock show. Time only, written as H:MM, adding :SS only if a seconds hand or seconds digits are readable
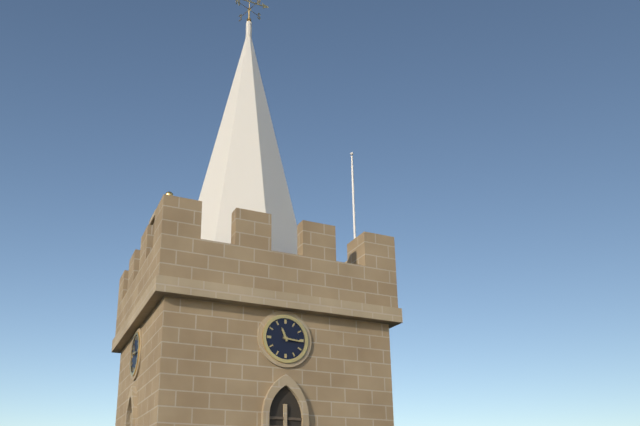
11:16
